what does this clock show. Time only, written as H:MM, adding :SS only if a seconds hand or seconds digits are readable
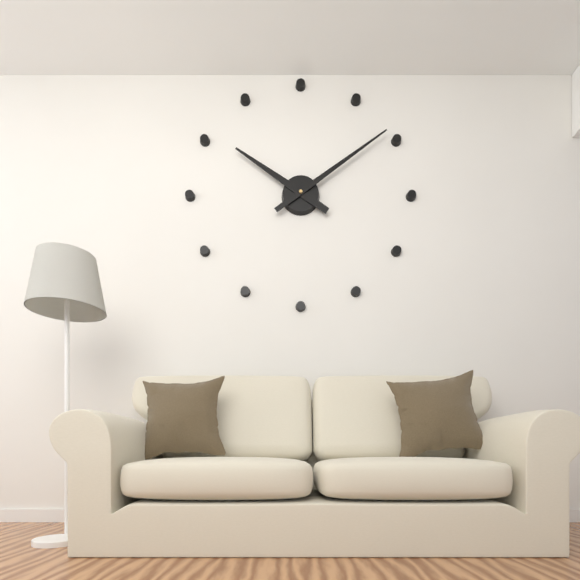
10:09
